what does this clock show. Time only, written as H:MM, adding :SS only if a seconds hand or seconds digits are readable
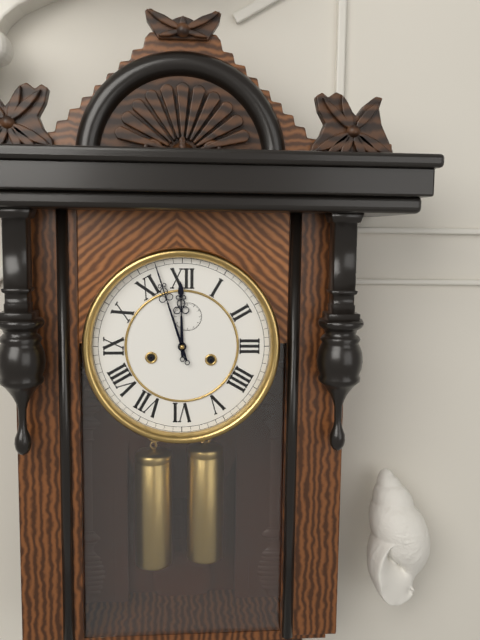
11:57
